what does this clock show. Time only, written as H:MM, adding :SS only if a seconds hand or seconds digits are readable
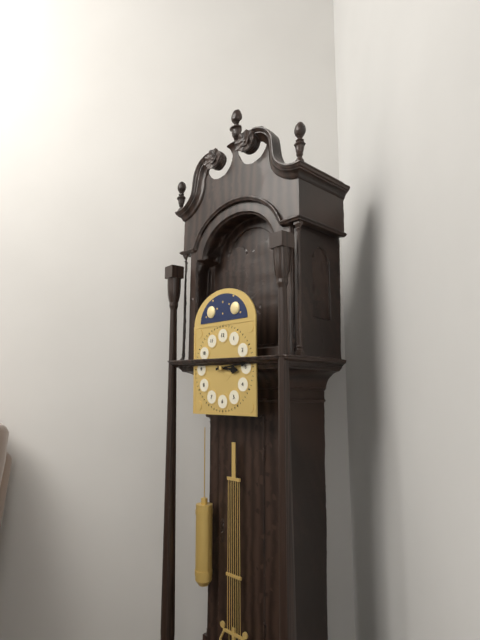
3:14
